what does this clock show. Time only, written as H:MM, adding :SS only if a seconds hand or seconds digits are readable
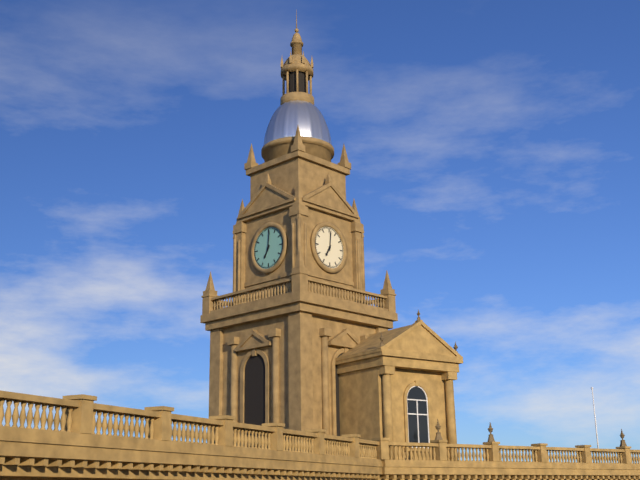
7:01
